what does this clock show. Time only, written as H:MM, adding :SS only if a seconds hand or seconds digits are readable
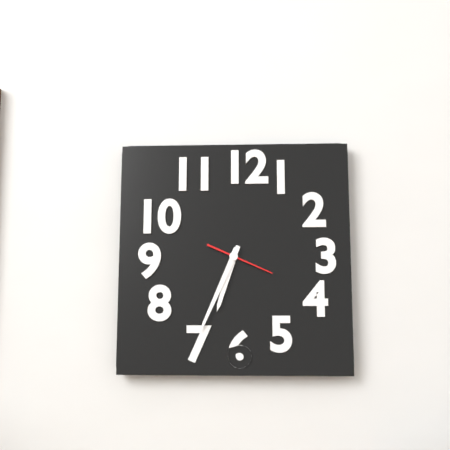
6:34:19
